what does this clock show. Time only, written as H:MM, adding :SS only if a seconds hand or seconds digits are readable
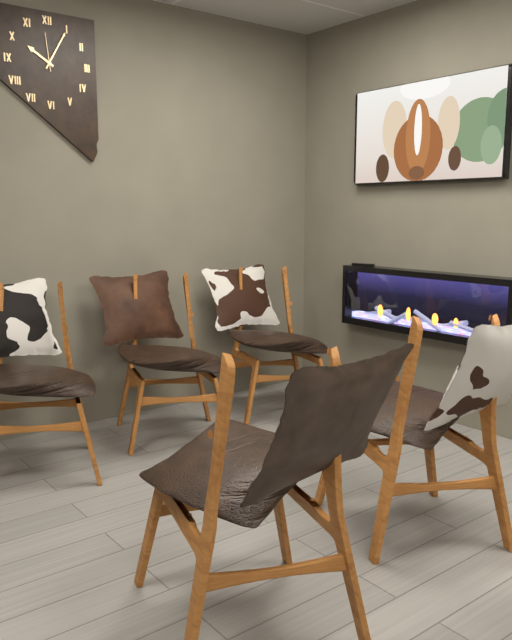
10:05
